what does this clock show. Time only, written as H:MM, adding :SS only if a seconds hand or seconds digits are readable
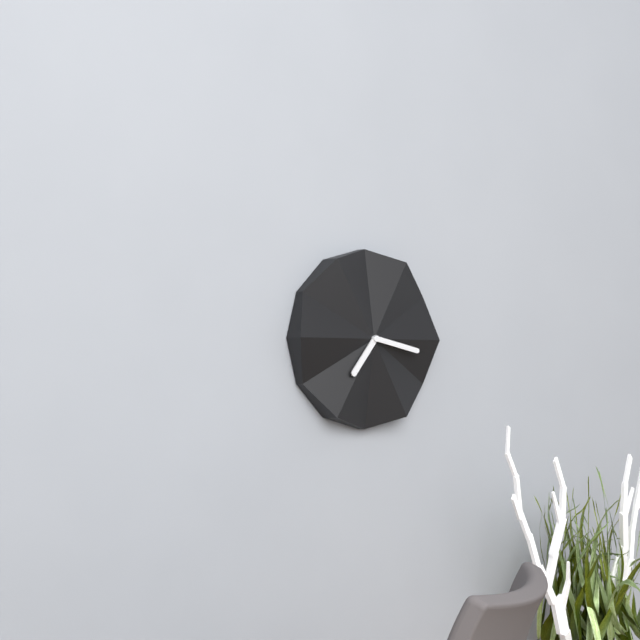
7:17
